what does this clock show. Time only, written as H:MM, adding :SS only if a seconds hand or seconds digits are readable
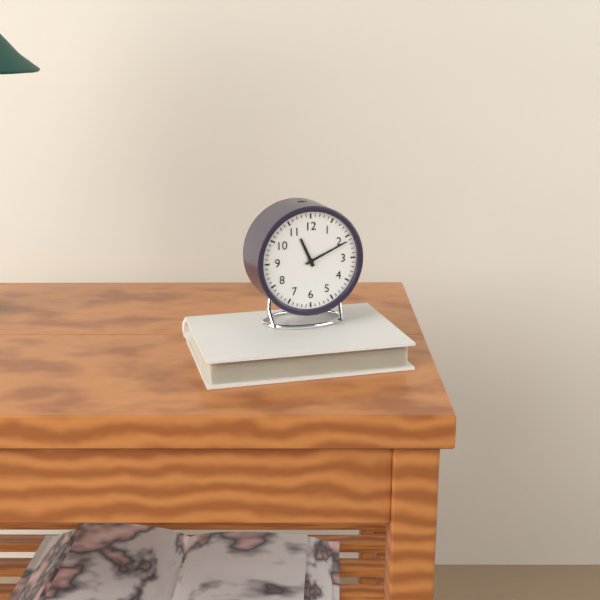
11:11
